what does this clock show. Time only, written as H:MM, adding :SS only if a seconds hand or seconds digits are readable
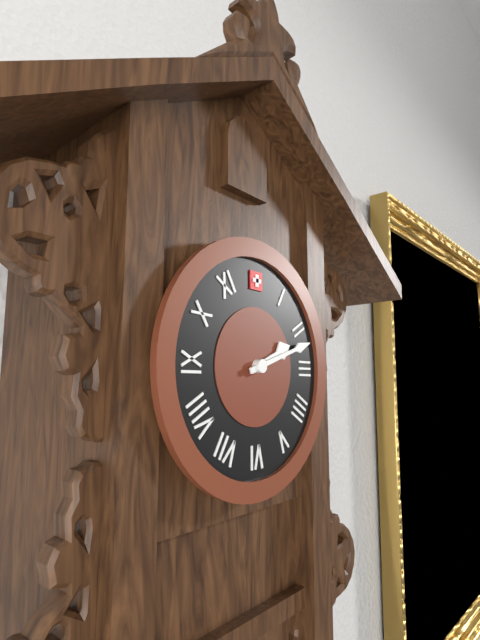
2:12
